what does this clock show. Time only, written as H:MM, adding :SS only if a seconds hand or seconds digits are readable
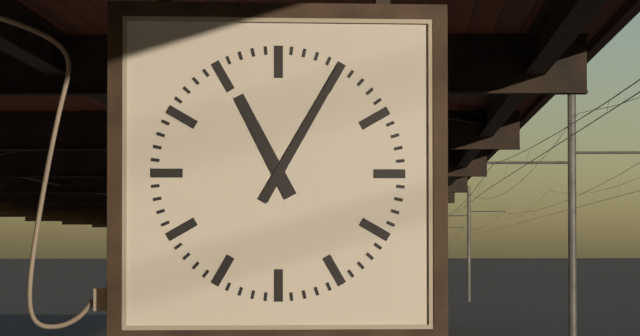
11:05
